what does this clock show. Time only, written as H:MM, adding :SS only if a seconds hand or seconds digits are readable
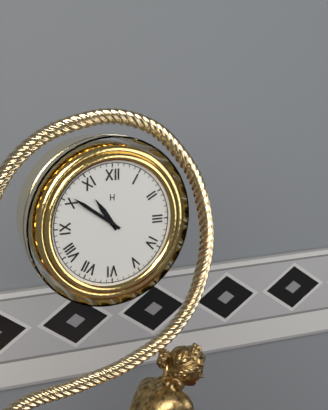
10:51
